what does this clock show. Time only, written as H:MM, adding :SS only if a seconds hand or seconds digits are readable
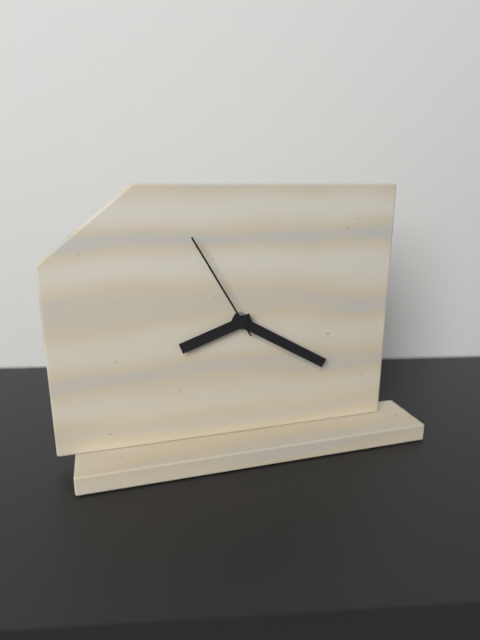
8:20:55
